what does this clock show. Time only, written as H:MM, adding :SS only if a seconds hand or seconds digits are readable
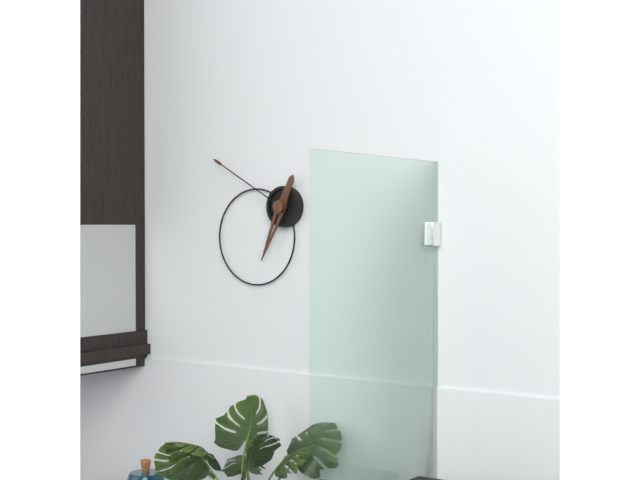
6:50
